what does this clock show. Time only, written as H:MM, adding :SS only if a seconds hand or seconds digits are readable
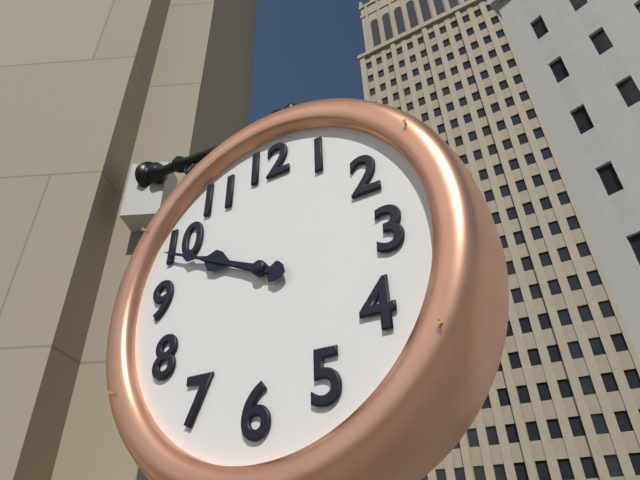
9:49
